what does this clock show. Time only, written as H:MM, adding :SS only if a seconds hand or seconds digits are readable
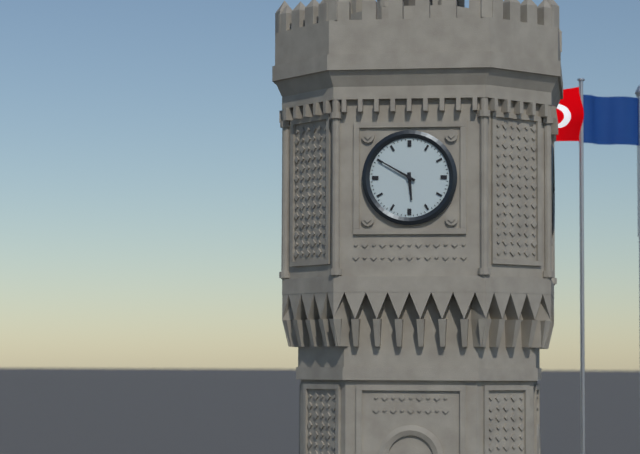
5:50
